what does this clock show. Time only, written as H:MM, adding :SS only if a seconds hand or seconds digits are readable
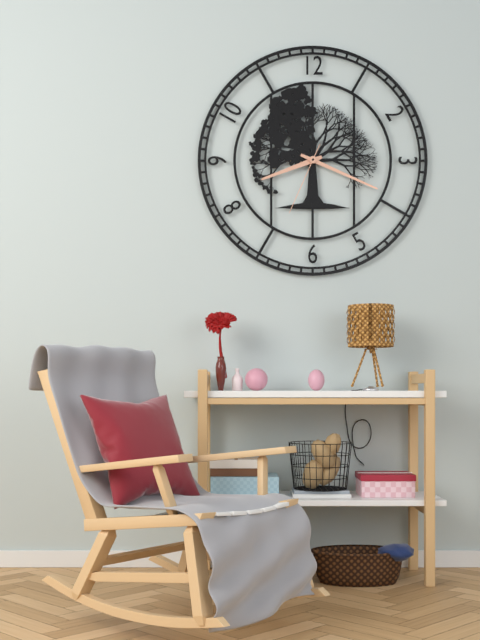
8:19:34
